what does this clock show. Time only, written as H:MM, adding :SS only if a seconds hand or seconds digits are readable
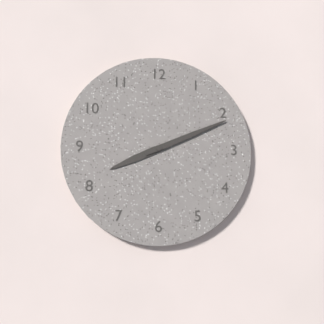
8:11
